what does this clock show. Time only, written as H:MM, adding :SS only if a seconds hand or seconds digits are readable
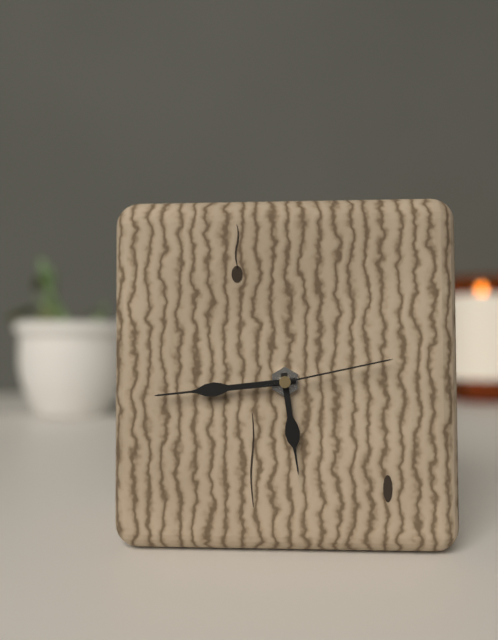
5:44:13
